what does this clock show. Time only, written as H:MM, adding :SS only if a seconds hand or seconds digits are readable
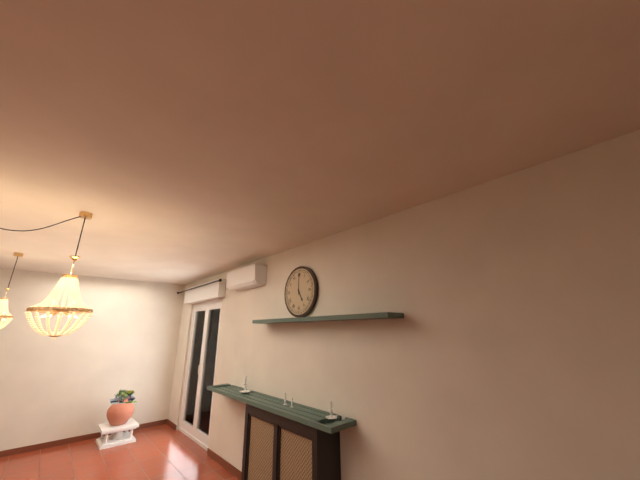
5:00
